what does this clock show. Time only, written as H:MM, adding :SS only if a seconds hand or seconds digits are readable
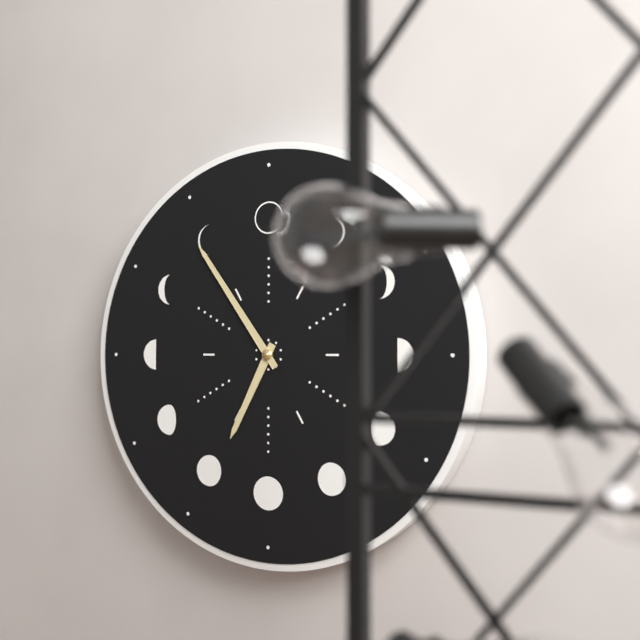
6:54
